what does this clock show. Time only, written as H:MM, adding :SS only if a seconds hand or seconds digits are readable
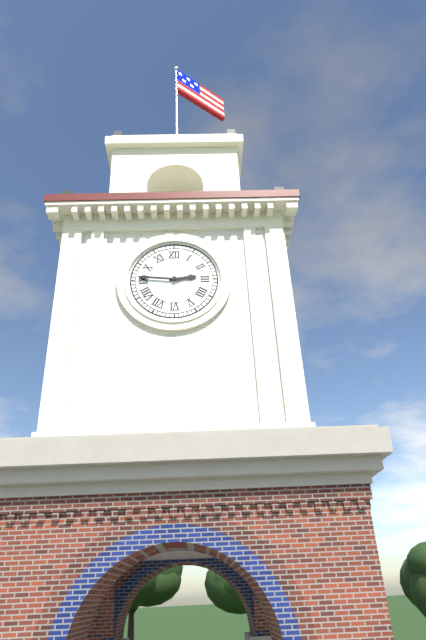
2:46
